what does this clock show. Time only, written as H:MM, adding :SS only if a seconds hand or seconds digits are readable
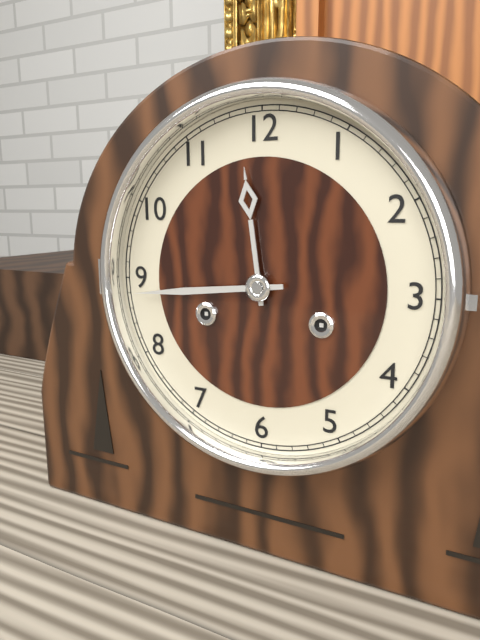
11:44
